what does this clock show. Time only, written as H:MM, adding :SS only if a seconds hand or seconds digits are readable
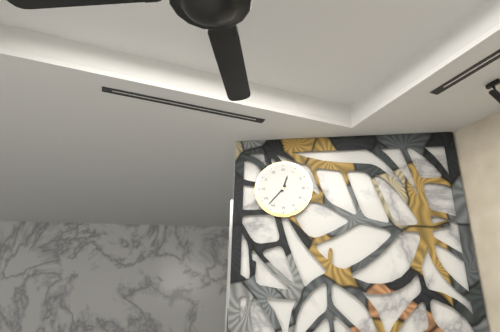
12:37
